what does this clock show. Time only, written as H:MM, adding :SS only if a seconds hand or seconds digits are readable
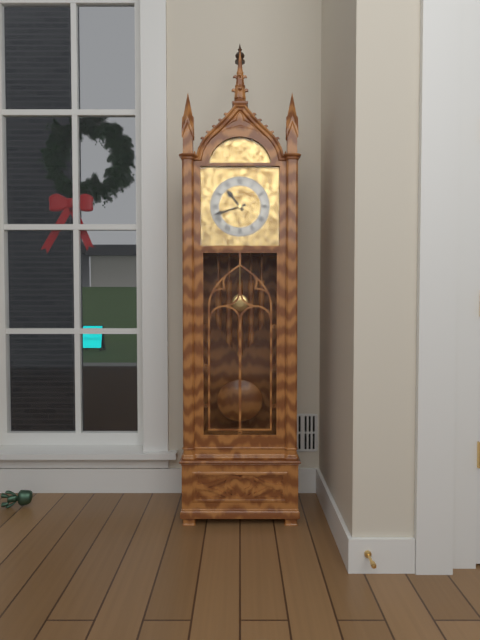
10:42
